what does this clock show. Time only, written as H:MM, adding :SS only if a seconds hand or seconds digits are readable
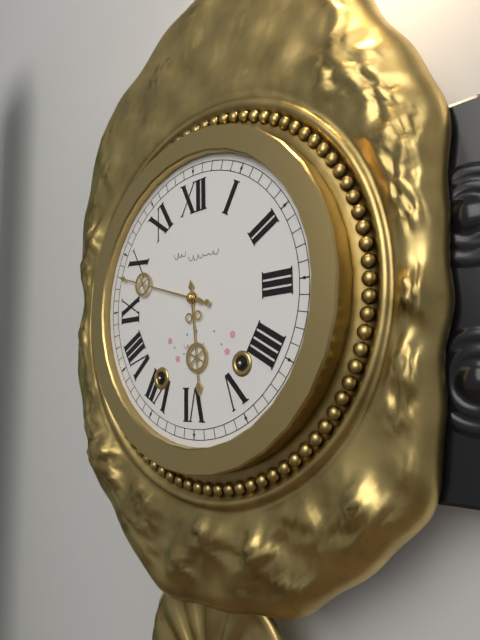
5:48
